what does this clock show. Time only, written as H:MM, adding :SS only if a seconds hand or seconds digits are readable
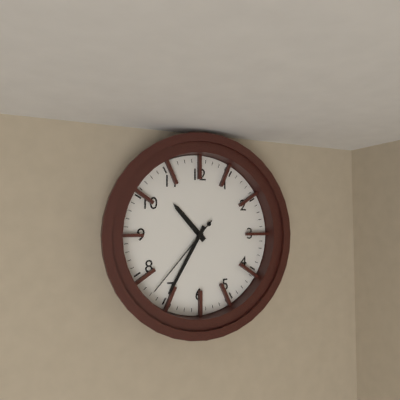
10:35:37
